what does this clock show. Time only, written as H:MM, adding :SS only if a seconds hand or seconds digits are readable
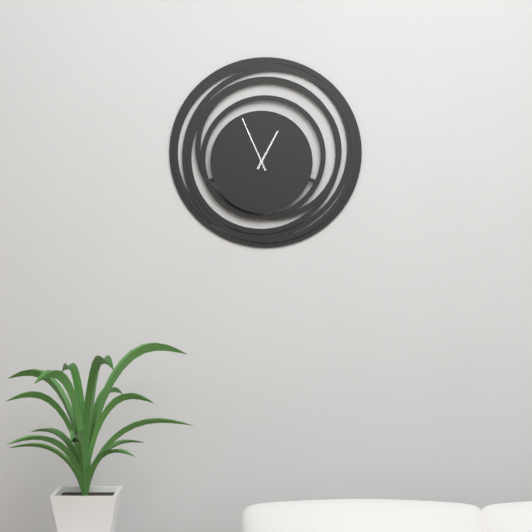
12:56
